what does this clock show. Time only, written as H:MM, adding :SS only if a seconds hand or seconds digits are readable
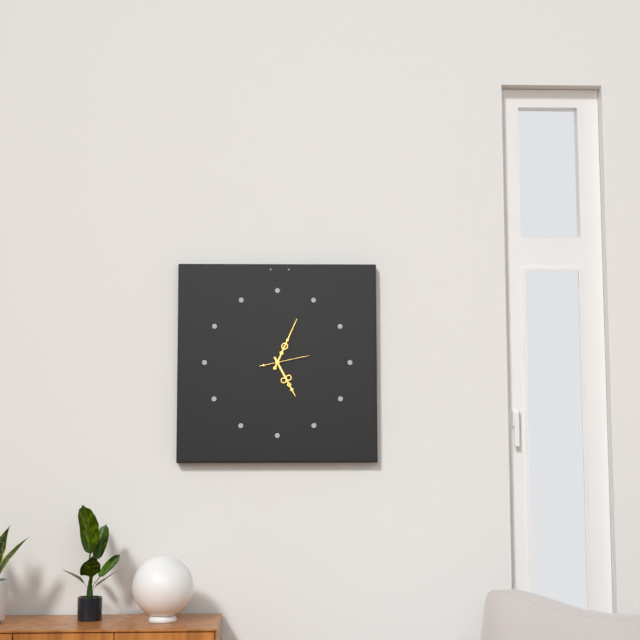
5:04
